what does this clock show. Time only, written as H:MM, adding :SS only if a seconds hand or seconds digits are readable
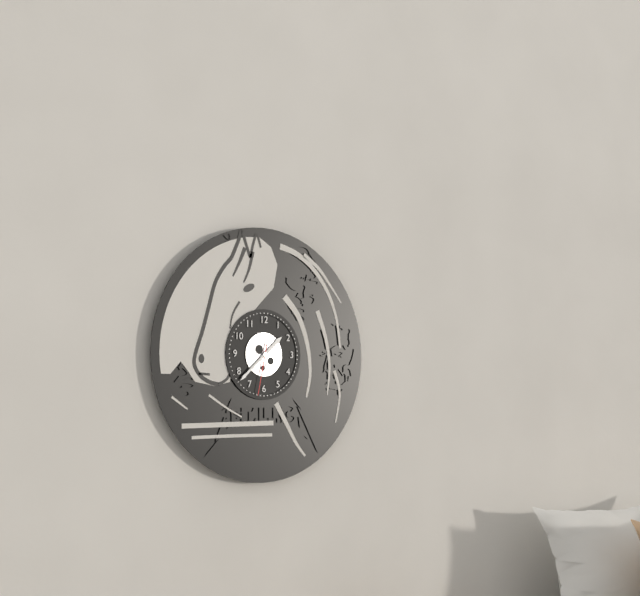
1:38:32
